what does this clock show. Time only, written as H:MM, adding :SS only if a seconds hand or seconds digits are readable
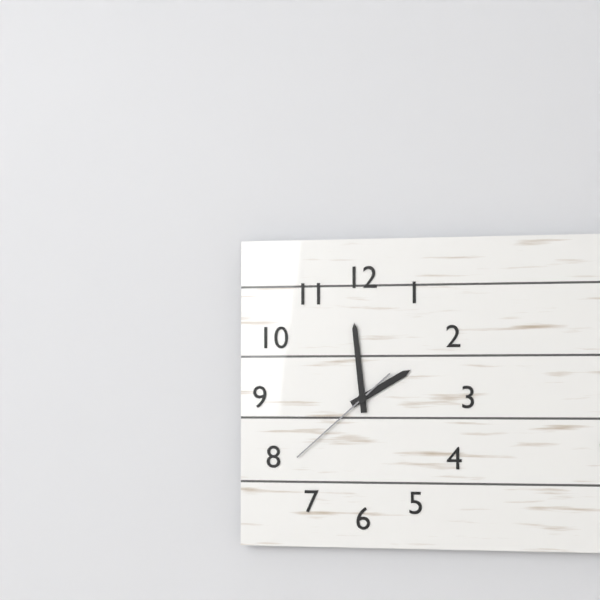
1:59:38
